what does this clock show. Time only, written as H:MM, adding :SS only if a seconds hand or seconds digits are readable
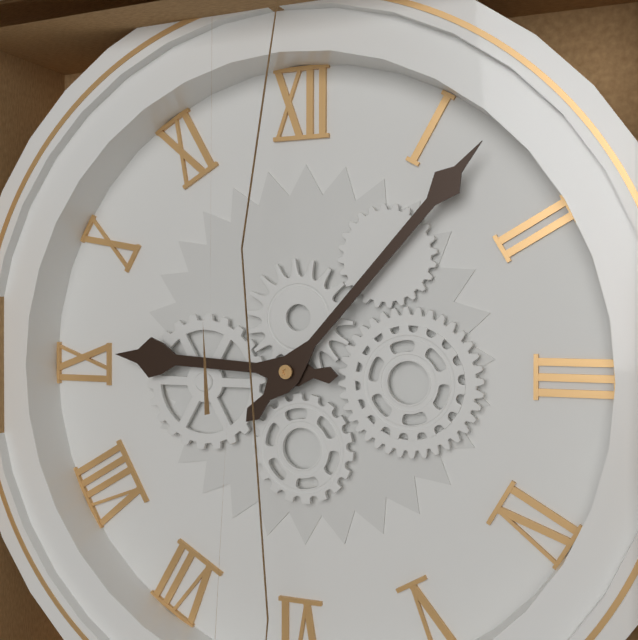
9:07
